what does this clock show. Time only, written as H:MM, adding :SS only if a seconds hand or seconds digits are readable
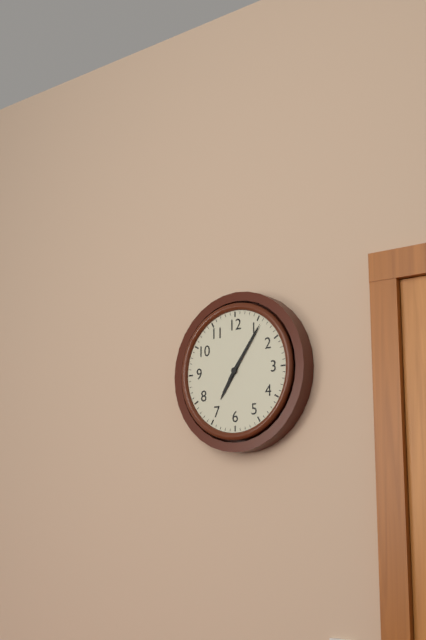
7:06
